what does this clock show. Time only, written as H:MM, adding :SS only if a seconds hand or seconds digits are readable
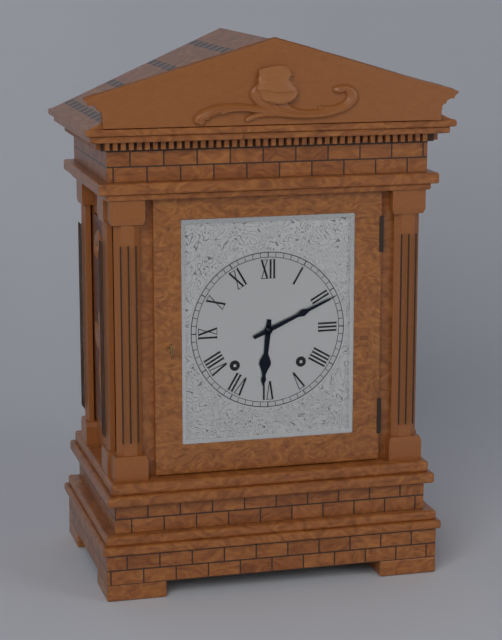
6:11
